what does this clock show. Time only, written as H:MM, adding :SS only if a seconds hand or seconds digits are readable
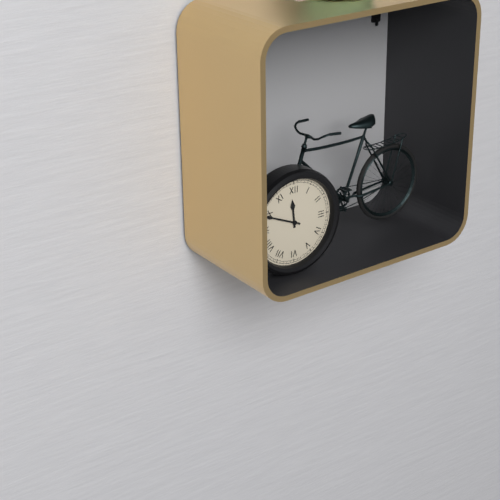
11:49
